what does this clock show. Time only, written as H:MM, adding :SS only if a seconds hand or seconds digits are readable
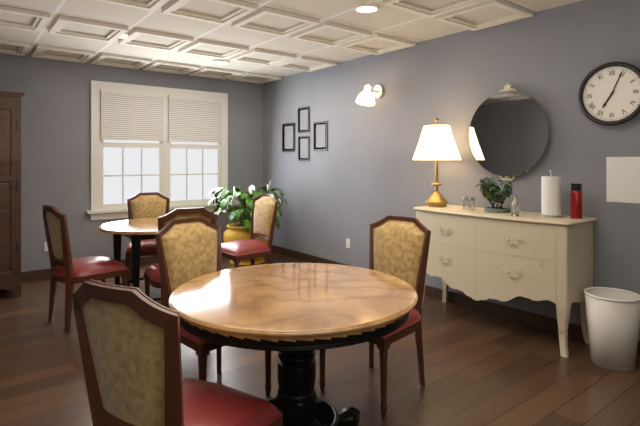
7:04
